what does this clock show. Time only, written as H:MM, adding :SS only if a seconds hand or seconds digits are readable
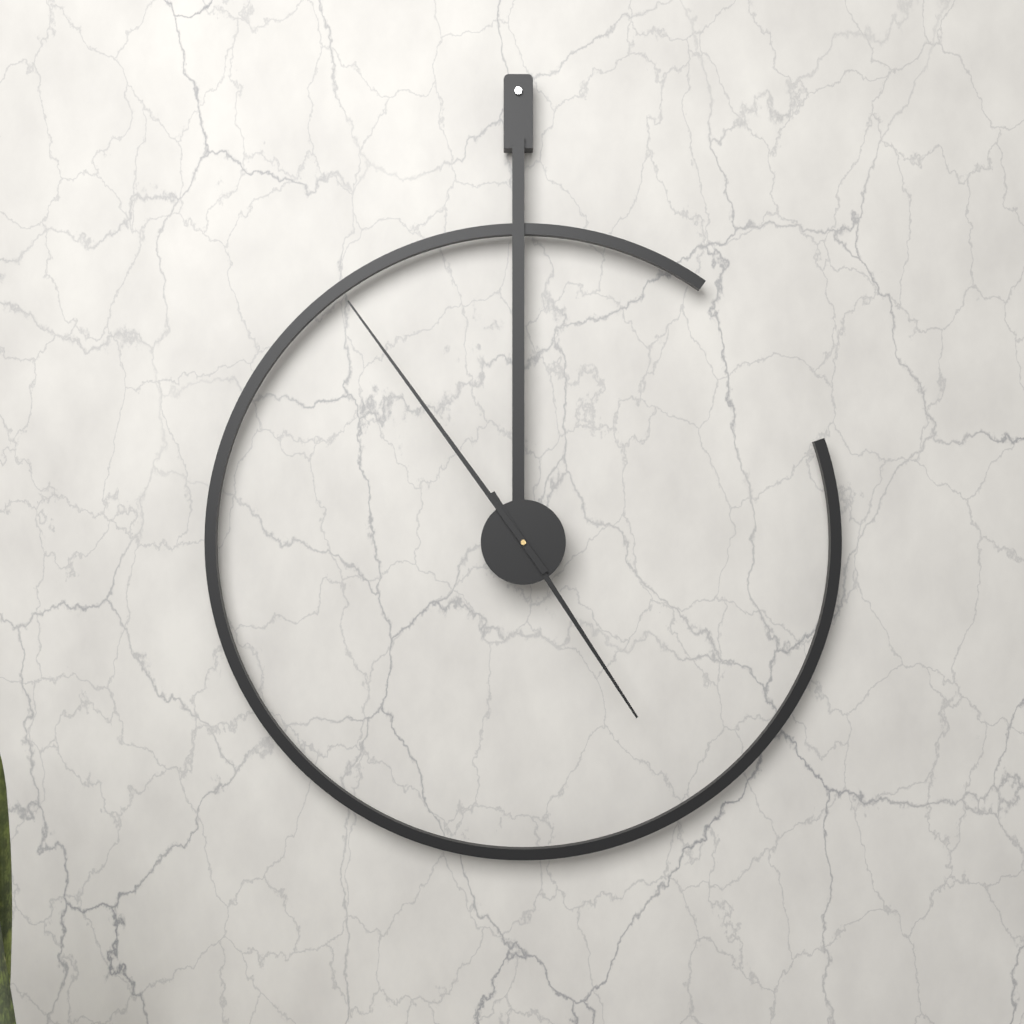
4:54
